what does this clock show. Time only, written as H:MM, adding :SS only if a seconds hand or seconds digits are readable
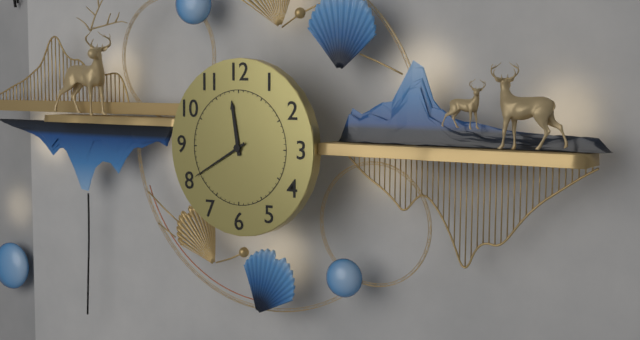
11:40
